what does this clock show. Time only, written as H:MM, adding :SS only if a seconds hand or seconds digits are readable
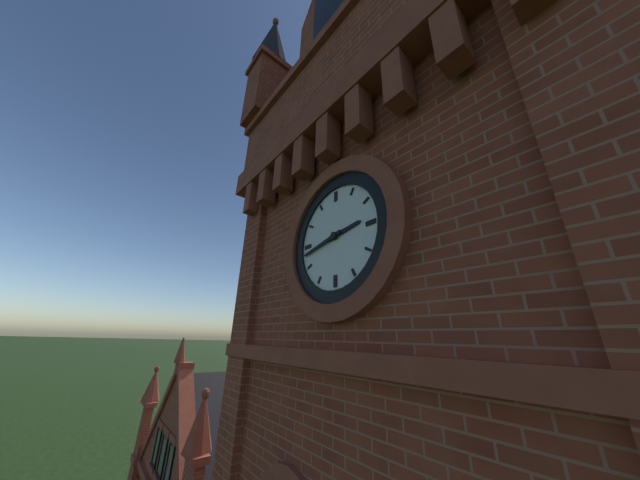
2:43
